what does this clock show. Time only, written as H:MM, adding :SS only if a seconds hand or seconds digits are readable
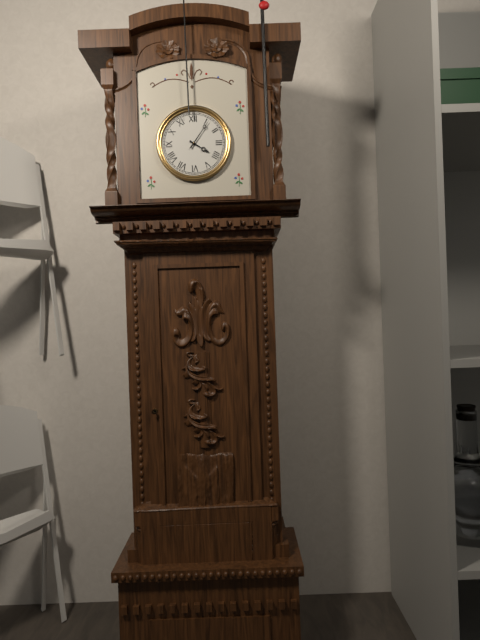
4:06
